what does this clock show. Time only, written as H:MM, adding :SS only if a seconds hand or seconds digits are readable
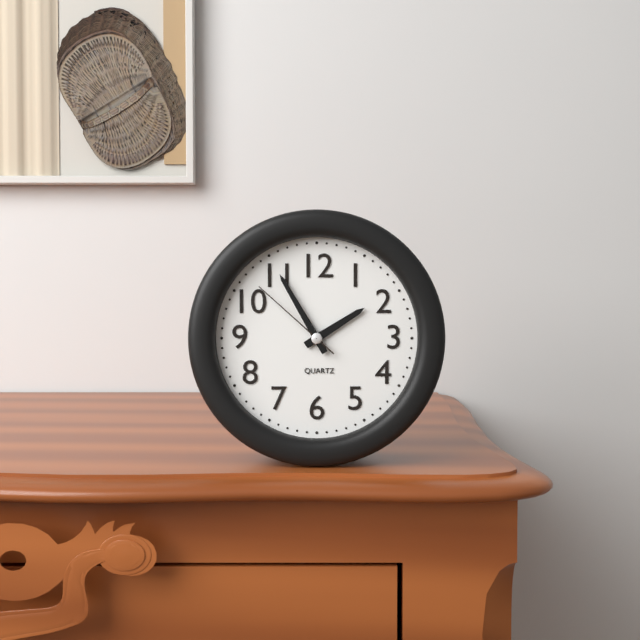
1:55:52
